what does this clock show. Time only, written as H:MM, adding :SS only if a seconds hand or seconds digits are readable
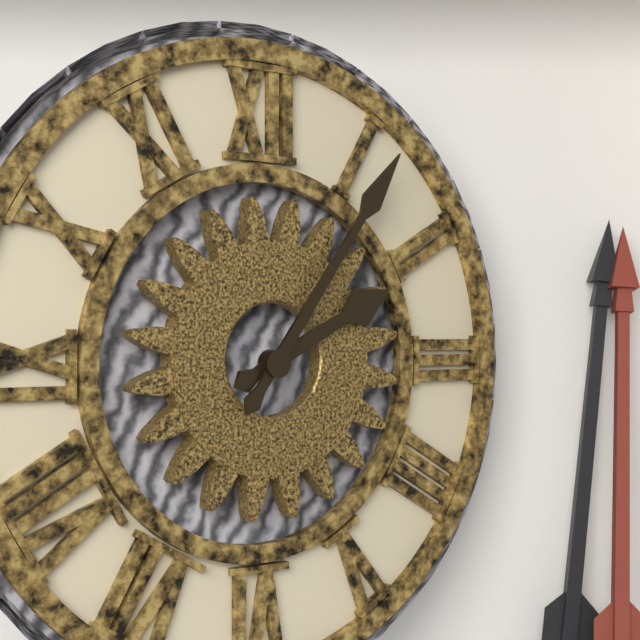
2:06
